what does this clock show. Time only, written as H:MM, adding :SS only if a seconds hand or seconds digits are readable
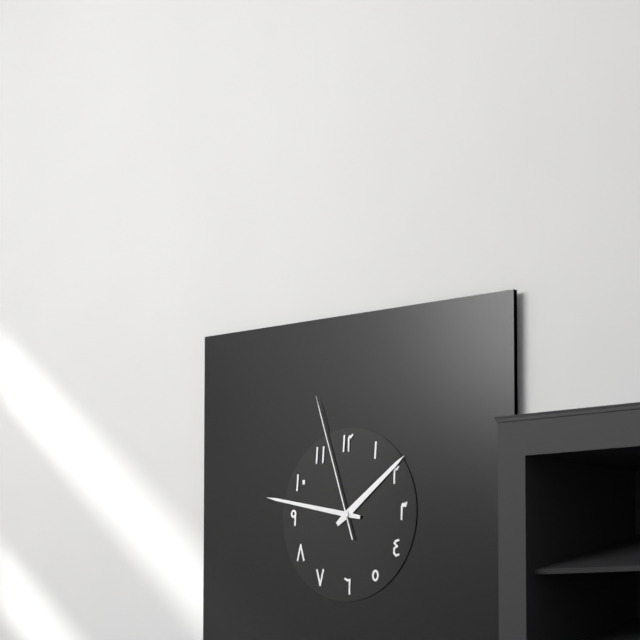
1:47:57
